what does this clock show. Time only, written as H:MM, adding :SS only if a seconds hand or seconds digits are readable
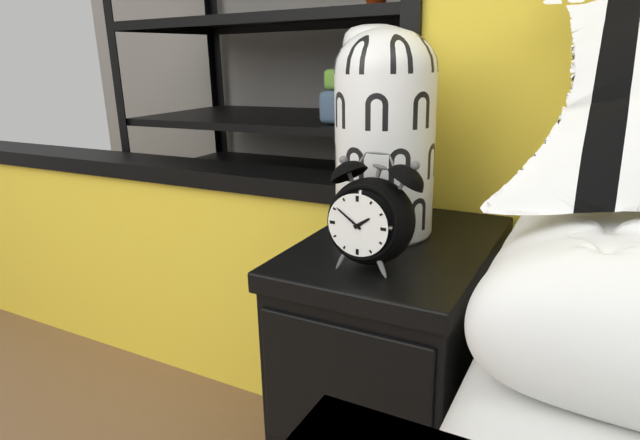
1:51
